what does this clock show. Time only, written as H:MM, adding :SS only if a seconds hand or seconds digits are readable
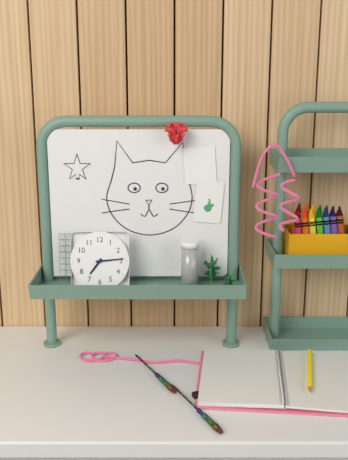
7:14
